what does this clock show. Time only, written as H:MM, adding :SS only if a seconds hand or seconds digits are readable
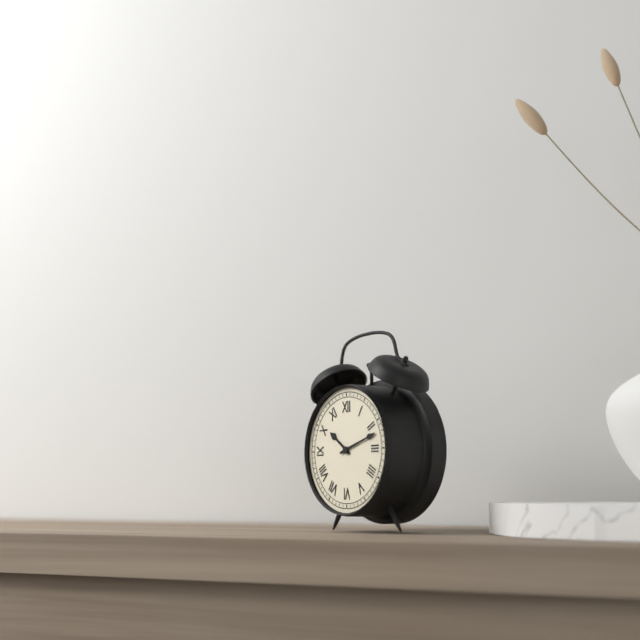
10:12
